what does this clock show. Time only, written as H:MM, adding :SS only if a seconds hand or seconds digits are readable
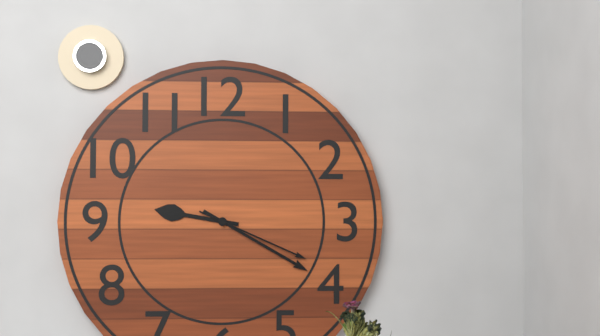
9:20:19
